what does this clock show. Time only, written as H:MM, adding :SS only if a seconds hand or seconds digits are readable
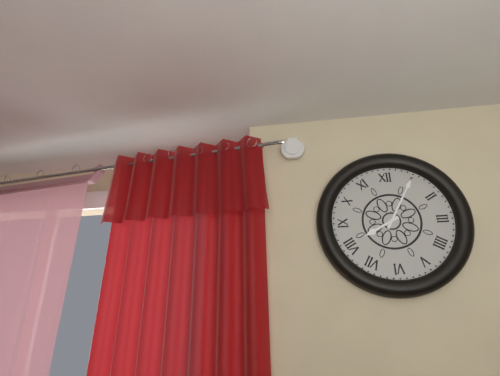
8:05
